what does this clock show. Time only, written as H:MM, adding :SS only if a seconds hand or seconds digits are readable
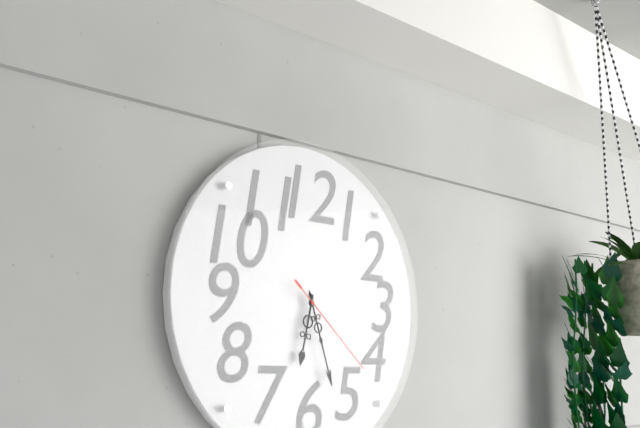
6:27:22
